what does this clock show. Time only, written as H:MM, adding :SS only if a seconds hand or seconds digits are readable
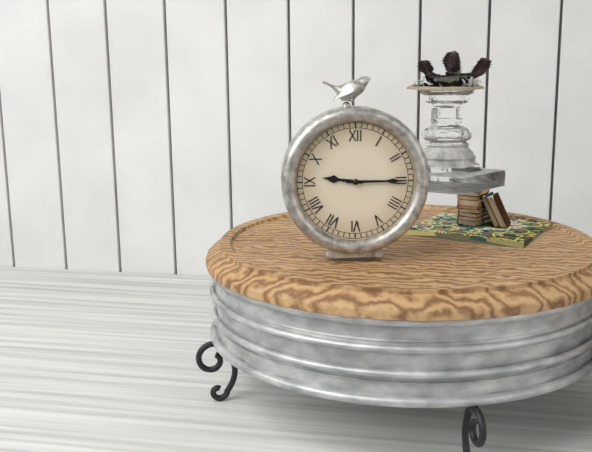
9:15
